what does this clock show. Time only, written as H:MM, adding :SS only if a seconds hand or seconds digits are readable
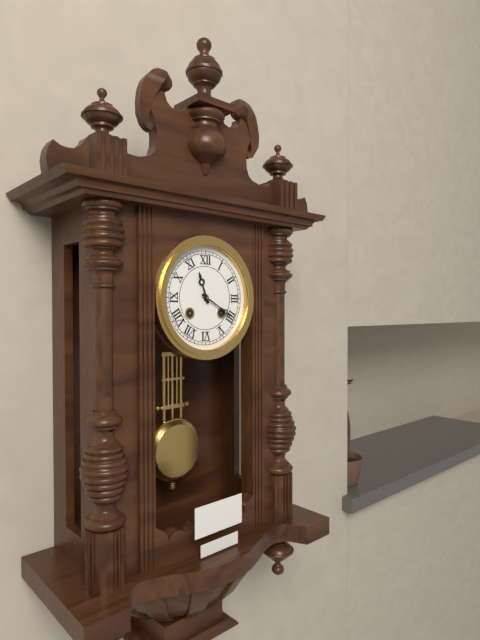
11:20
